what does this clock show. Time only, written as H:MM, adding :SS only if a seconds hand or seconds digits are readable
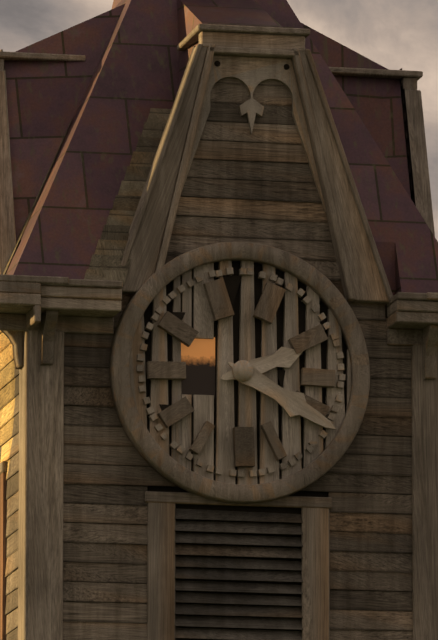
2:20
